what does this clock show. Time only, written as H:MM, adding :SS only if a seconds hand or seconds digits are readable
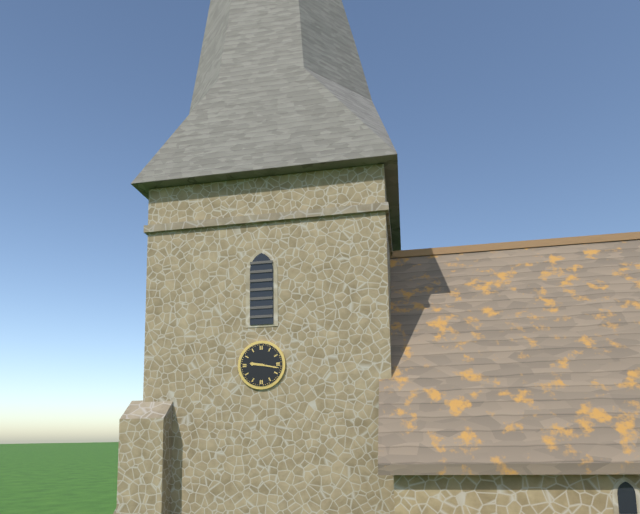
9:17
